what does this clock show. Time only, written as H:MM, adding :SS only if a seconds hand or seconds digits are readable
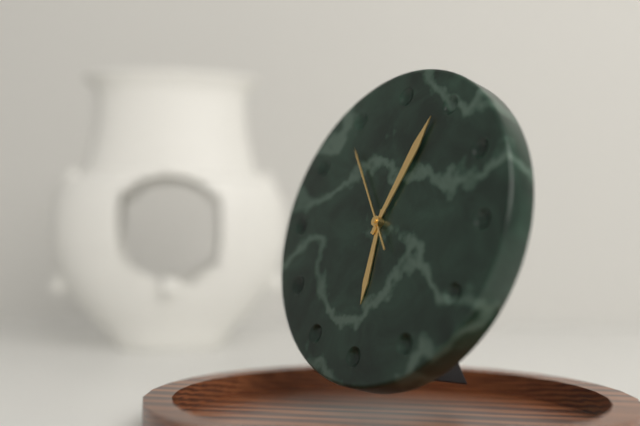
6:04:54
